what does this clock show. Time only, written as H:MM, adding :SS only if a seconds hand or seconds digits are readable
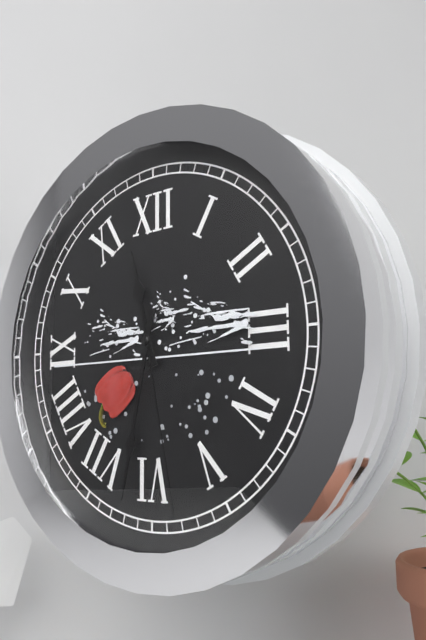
11:32:28
